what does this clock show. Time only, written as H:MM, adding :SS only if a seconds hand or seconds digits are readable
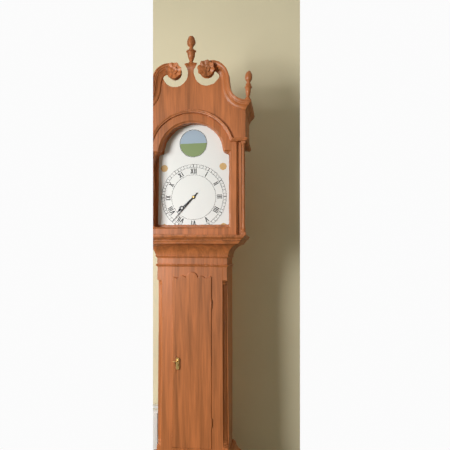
7:37
